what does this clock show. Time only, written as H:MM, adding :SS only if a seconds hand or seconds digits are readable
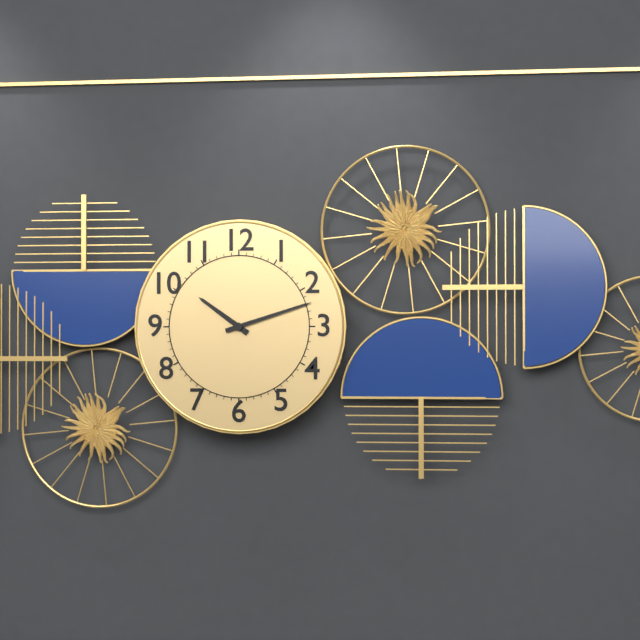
10:12
